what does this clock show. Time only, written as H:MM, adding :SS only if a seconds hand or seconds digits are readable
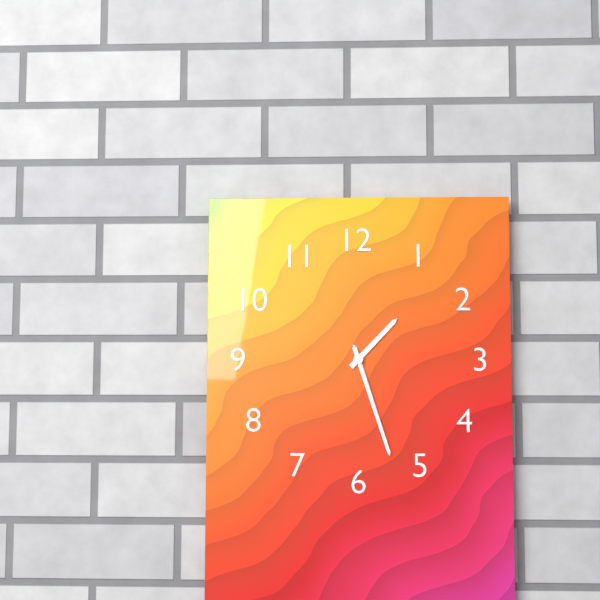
1:27:27
